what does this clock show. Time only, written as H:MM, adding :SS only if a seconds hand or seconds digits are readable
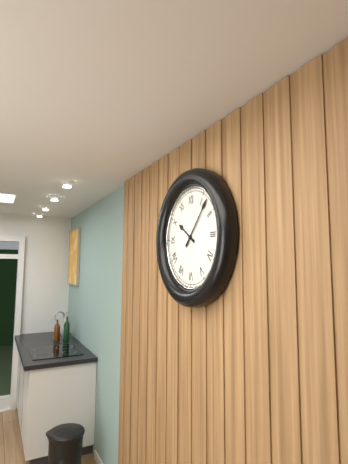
10:07
